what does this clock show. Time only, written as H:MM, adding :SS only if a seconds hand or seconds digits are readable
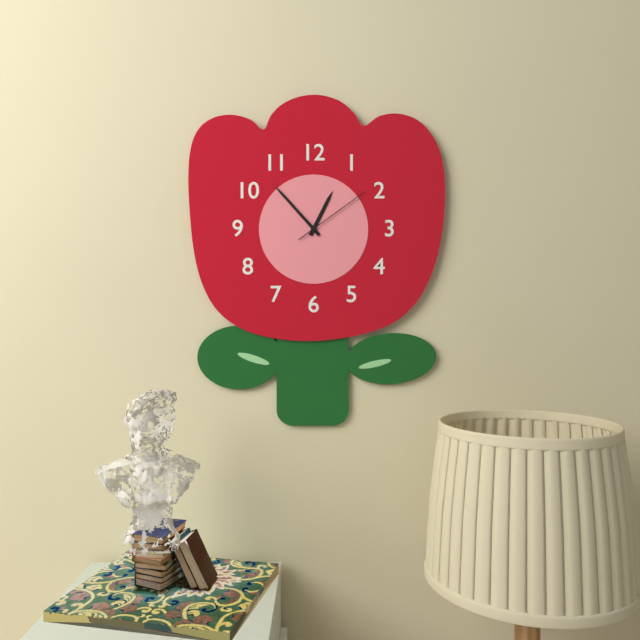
12:53:09
